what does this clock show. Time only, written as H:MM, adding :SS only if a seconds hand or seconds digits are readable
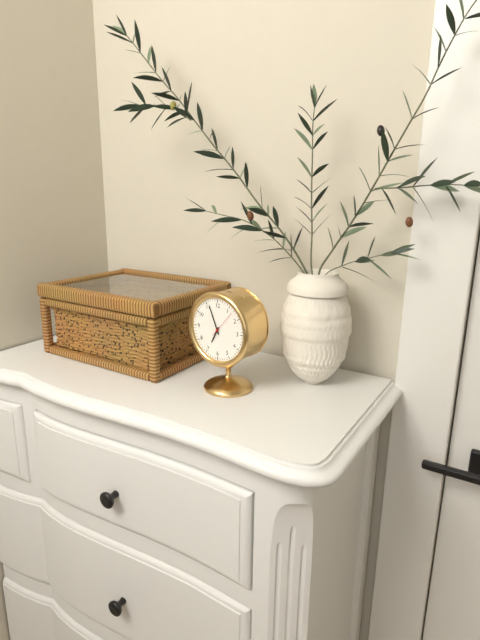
6:56
